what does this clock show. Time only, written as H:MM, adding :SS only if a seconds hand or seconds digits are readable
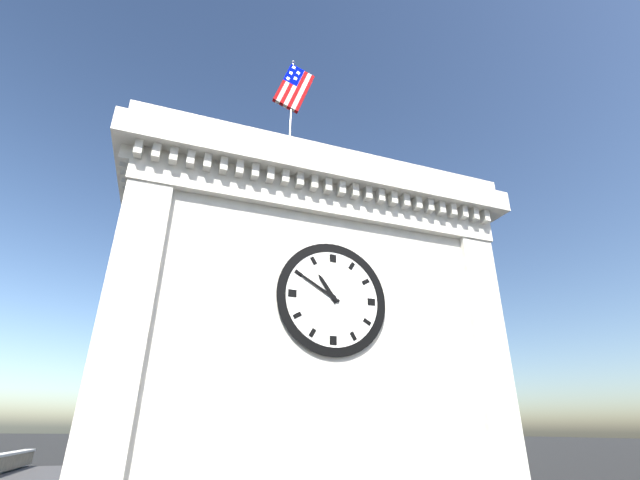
10:50
